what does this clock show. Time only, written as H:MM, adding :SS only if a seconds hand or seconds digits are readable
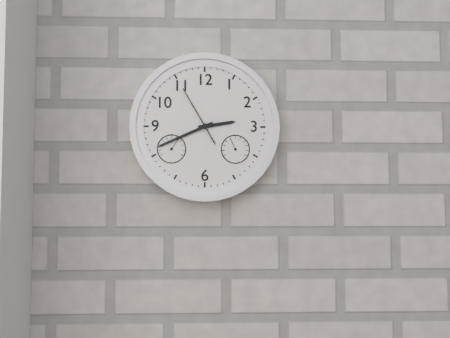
2:41:55
